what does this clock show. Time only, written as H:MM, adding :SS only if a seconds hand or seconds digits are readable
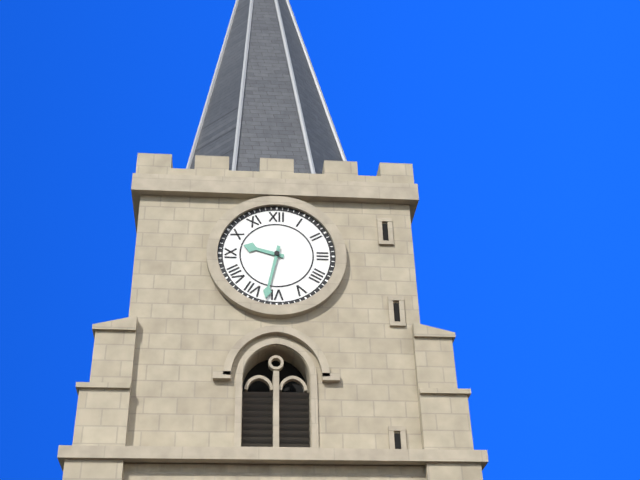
9:32
